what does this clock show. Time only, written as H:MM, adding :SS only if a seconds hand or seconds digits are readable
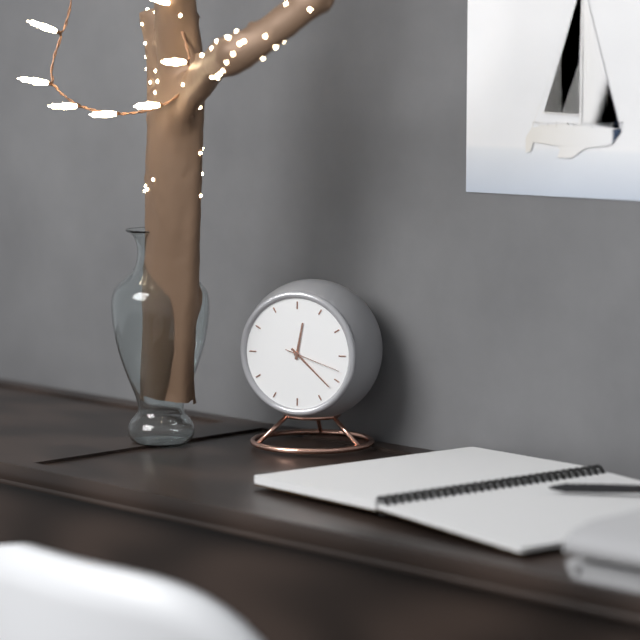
12:22:18
